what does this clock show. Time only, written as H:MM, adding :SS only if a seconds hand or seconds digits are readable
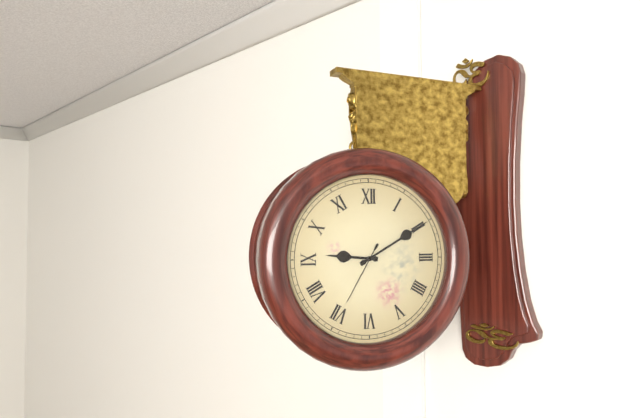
9:10:35
